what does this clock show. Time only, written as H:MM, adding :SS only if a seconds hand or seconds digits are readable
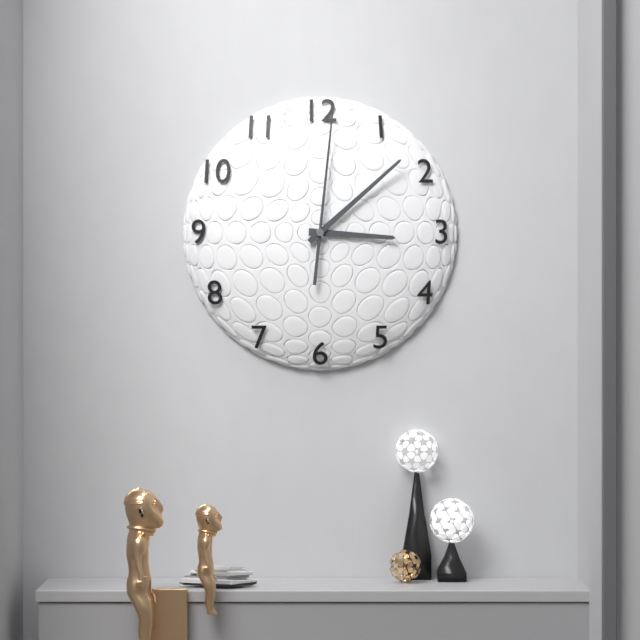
3:08:01
